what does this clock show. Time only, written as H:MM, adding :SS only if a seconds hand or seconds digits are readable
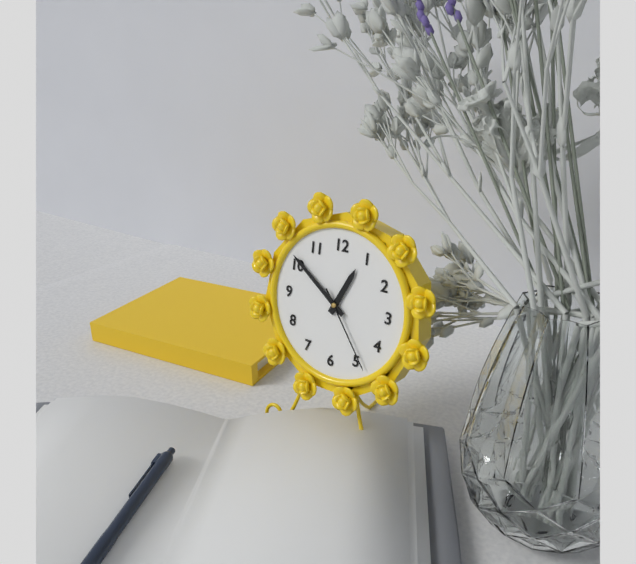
12:51:24
